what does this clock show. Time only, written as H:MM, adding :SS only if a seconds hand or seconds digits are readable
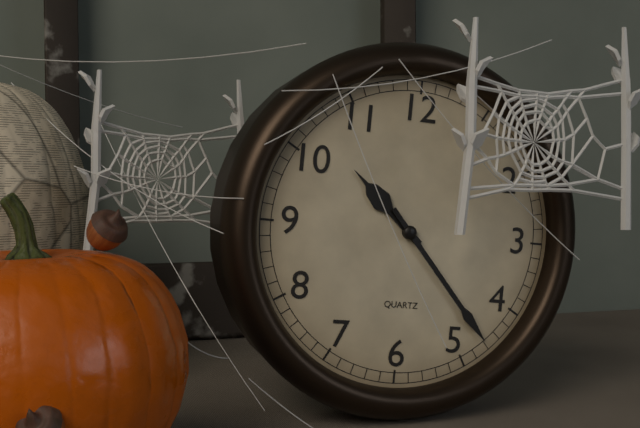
10:23
